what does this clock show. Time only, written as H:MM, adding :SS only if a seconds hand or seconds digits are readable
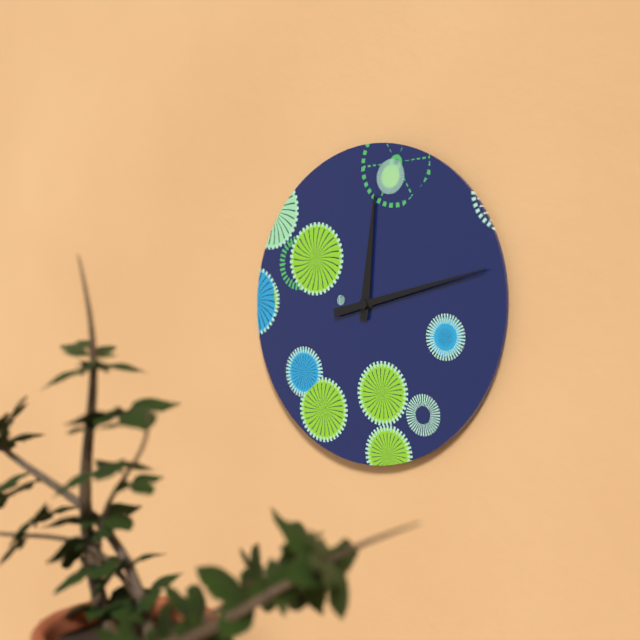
12:13
